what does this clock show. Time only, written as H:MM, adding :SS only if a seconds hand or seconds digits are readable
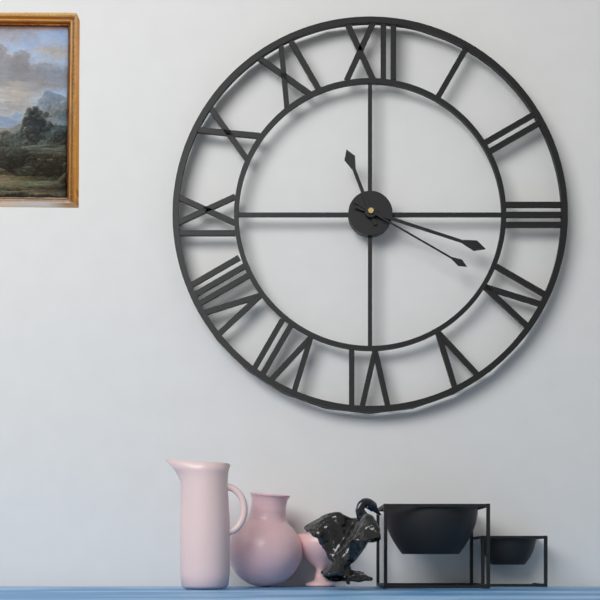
11:18:20
